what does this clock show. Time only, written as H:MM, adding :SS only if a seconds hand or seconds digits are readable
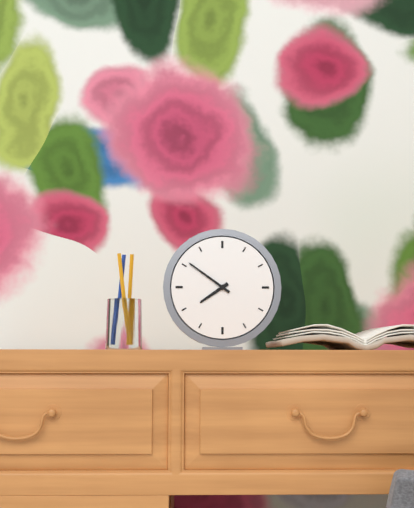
7:51
